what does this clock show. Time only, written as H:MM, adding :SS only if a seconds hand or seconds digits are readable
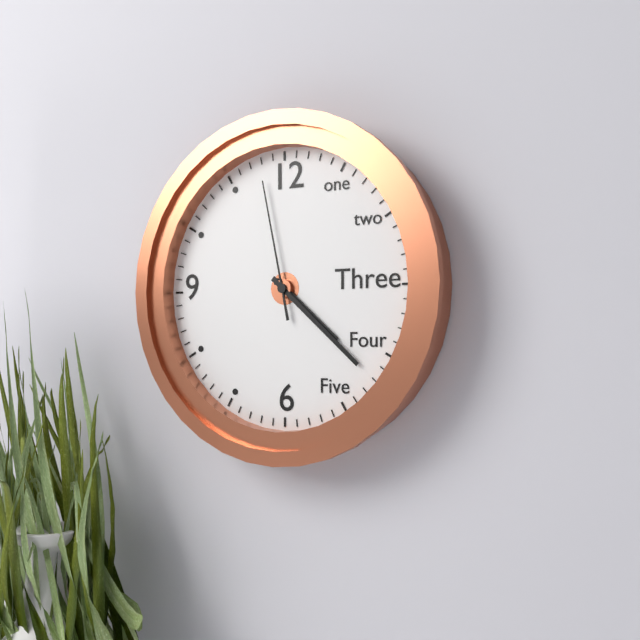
4:22:58
